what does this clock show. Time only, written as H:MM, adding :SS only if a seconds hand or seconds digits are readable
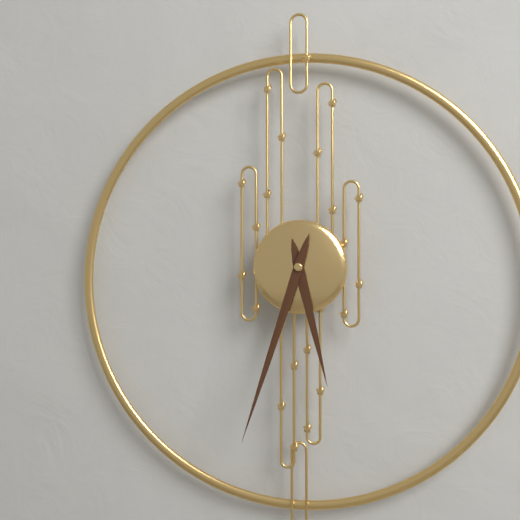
5:33
